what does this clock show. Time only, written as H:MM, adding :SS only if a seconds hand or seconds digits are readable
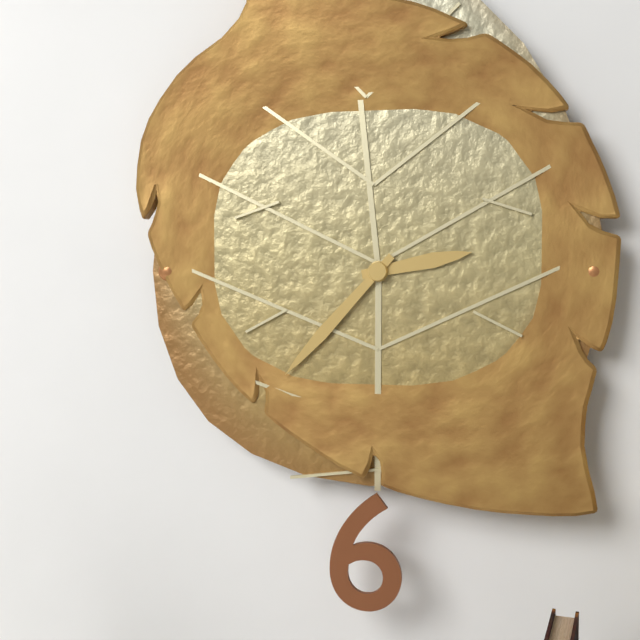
2:37
